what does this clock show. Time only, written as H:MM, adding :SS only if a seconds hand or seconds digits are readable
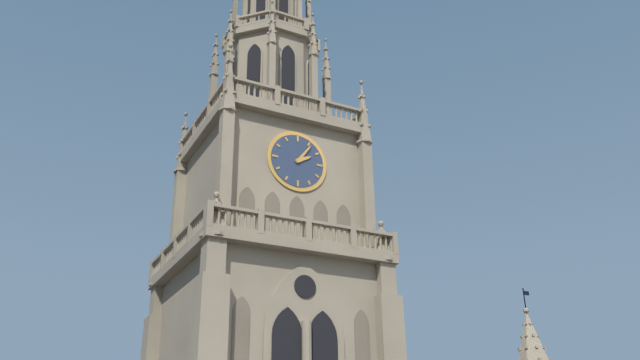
2:06
